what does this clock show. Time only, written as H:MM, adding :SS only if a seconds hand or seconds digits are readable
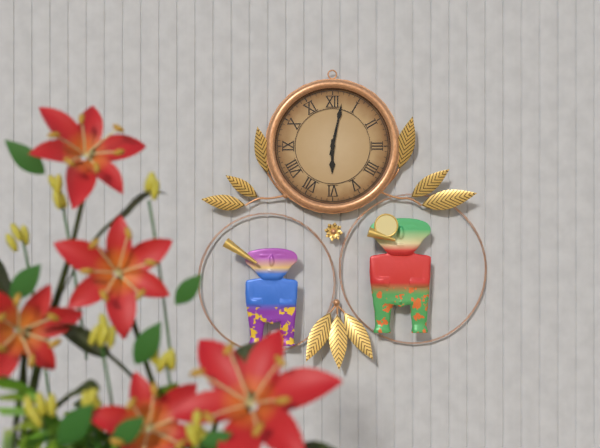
6:02
